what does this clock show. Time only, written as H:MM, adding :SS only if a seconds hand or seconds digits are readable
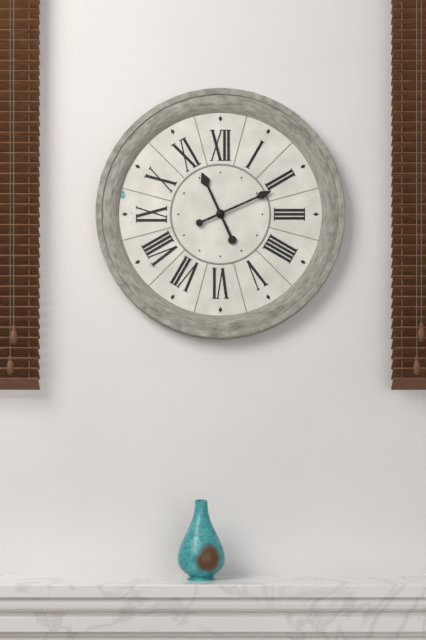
11:11
